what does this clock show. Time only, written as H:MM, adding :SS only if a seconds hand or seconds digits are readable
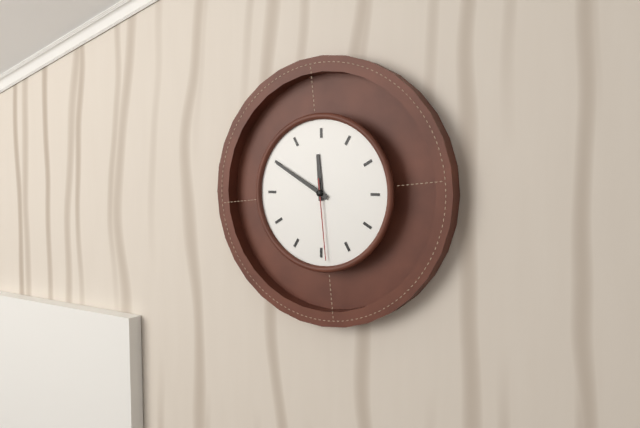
11:50:29
